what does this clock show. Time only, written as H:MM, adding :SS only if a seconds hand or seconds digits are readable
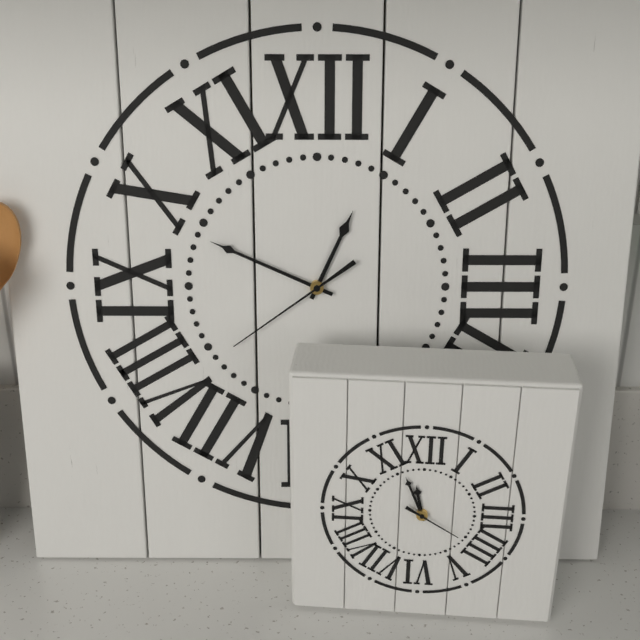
12:49:39
